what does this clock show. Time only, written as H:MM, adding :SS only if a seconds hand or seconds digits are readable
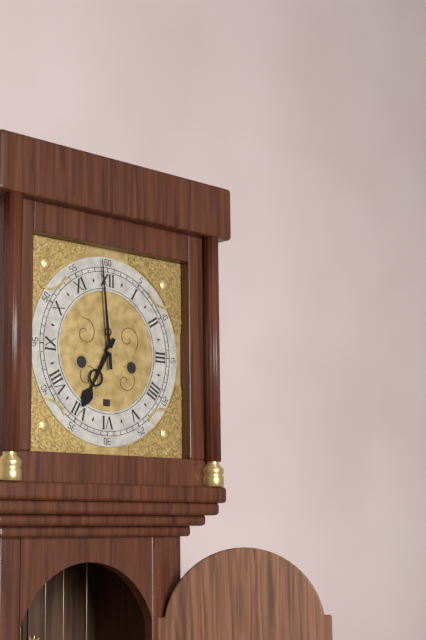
6:59
